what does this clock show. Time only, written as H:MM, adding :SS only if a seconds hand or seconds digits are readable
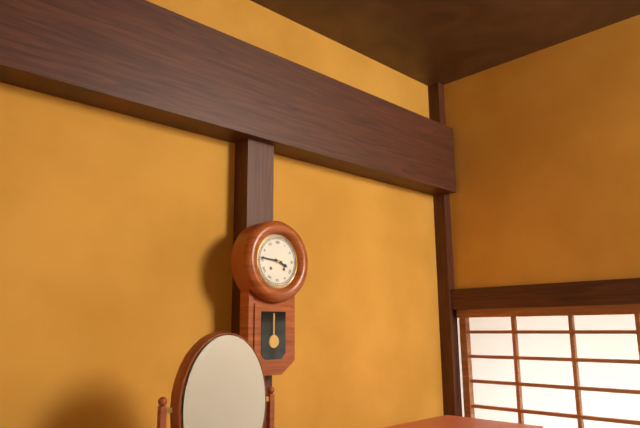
3:46
